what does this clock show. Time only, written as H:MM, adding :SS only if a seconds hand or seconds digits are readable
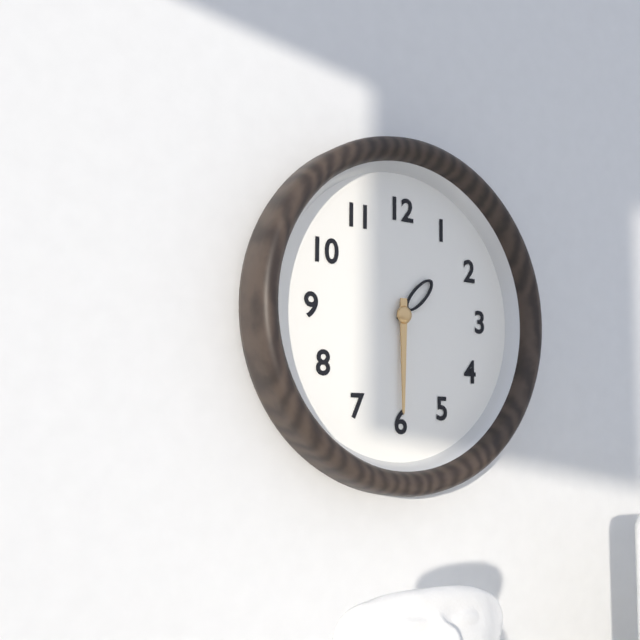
1:30
